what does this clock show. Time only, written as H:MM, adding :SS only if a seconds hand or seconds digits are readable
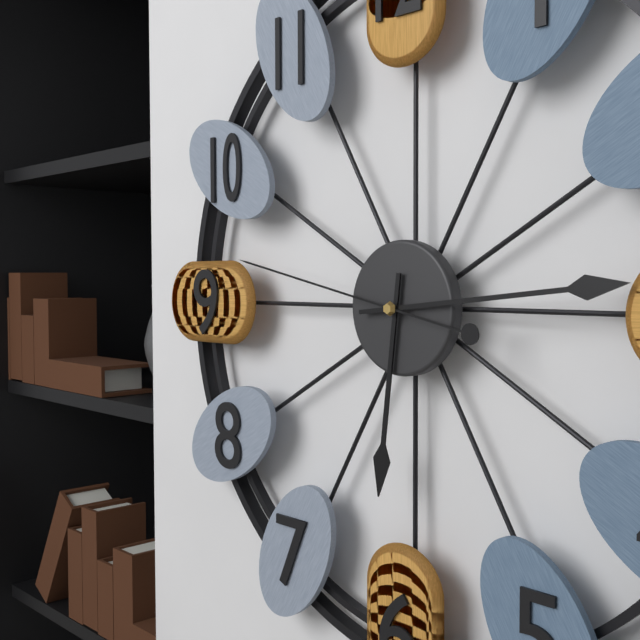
6:14:47
